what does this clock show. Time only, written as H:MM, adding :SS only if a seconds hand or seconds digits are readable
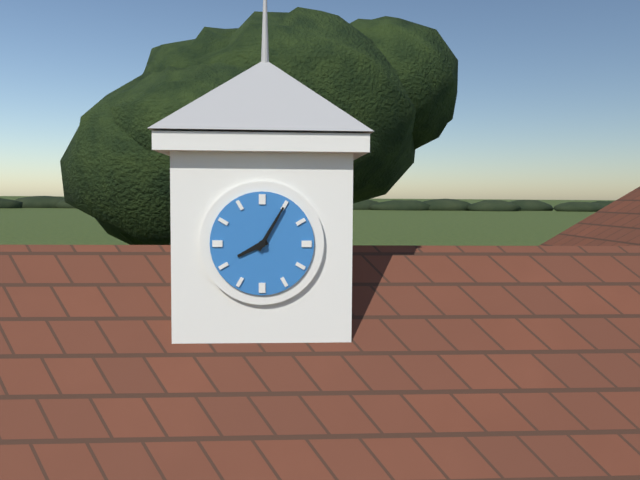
8:05
